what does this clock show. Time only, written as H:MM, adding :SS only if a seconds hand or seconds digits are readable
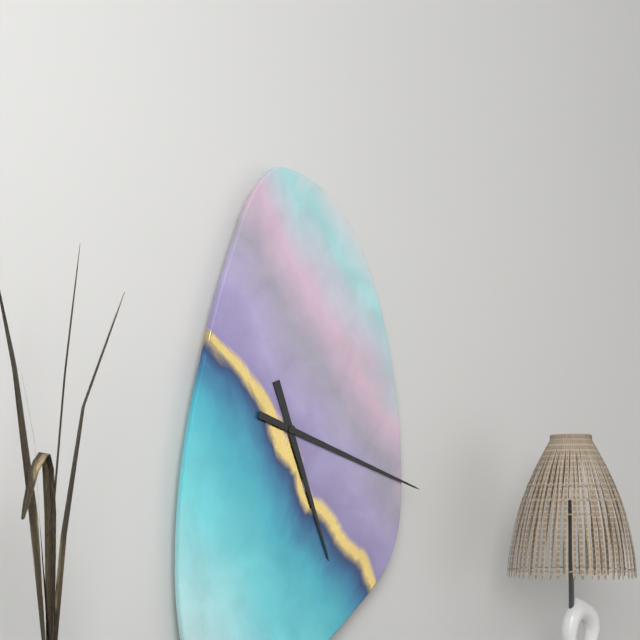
5:18
